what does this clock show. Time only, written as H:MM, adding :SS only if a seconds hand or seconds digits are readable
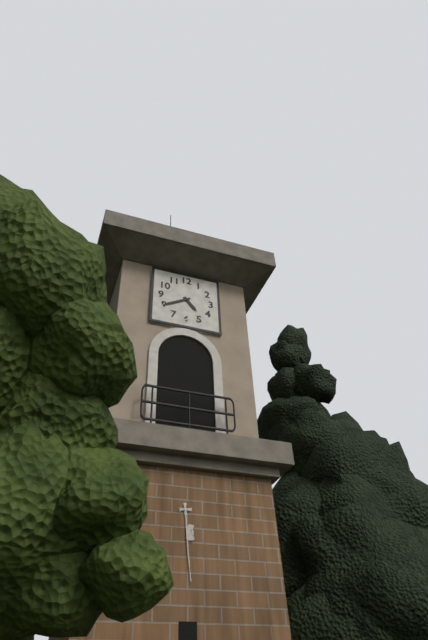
4:40
